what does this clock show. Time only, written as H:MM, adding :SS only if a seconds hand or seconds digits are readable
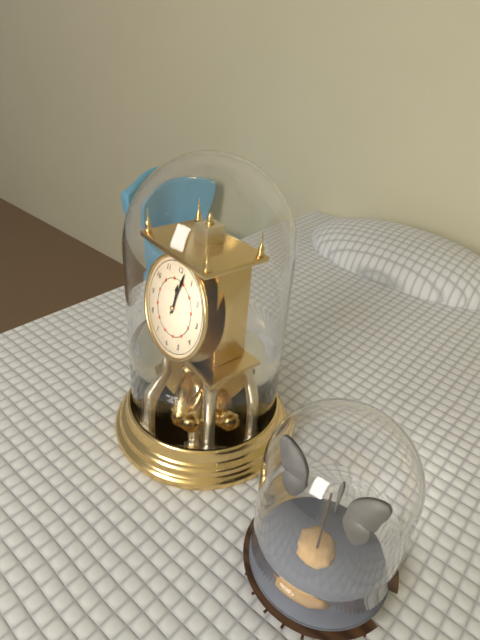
12:02
